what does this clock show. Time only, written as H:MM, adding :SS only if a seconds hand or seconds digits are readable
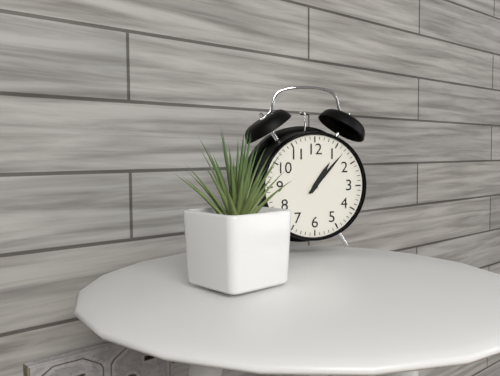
1:07
